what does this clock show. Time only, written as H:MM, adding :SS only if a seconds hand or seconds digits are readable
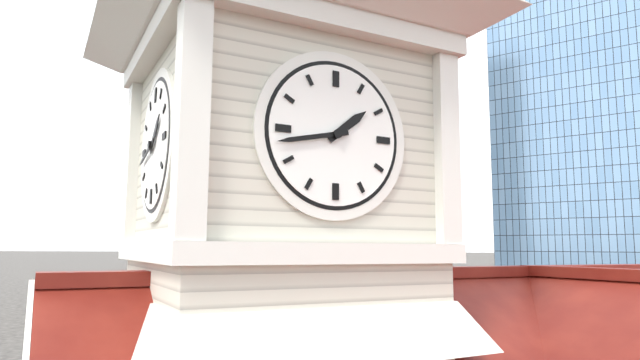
1:43
